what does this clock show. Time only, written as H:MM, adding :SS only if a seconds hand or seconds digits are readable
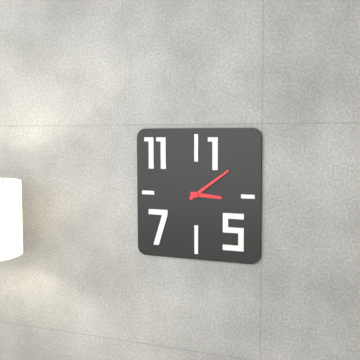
3:09
